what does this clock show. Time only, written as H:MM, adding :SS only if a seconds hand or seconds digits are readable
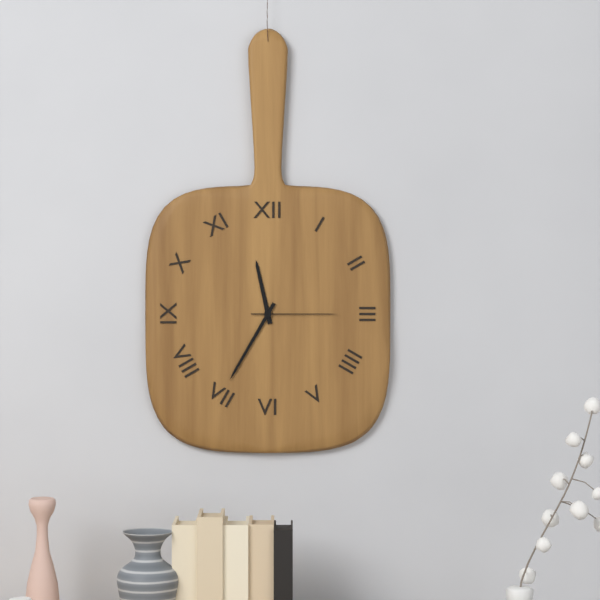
11:35:15
